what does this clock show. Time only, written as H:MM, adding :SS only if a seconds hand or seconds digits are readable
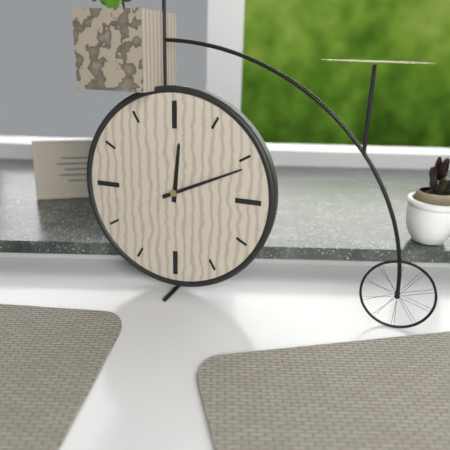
12:11
